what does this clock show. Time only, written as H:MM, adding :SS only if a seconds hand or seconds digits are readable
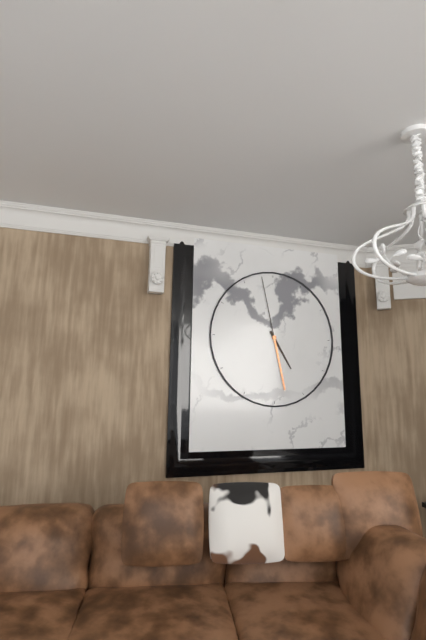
4:58
